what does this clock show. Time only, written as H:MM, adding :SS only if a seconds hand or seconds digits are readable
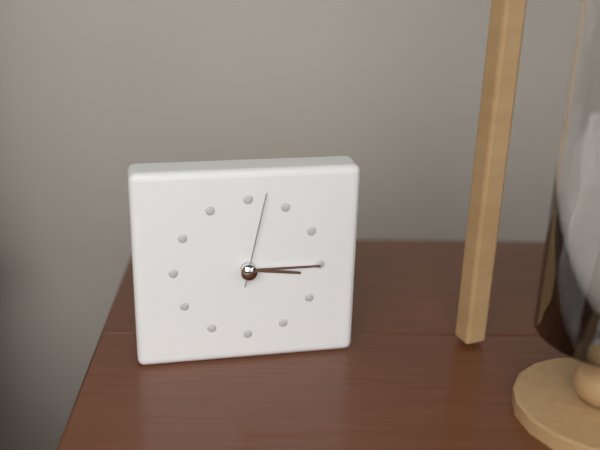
3:15:02
